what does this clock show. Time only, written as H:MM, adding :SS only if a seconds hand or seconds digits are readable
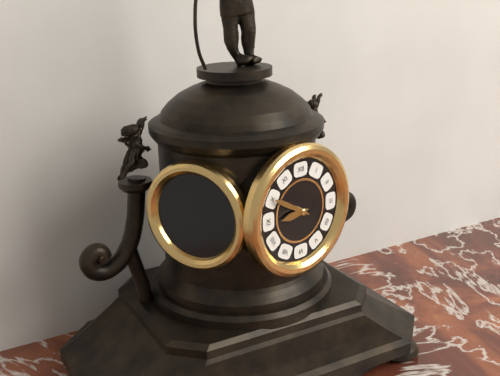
8:50
